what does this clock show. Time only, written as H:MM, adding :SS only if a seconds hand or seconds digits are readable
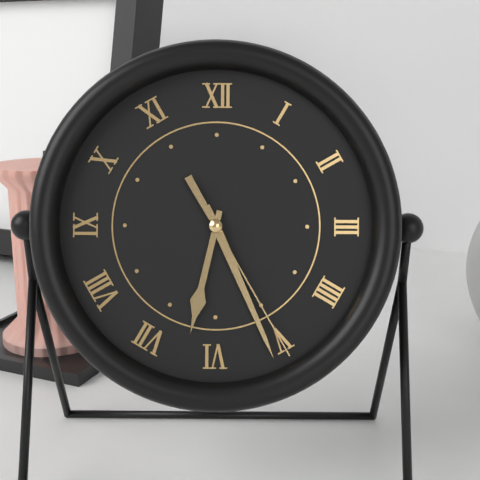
6:26:25
